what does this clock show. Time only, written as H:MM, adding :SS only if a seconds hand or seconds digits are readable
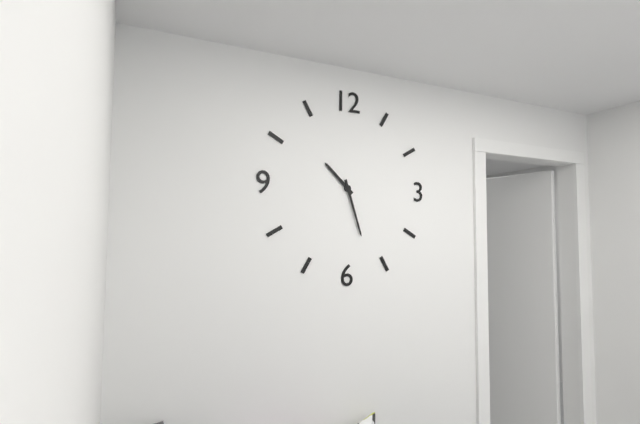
10:27
